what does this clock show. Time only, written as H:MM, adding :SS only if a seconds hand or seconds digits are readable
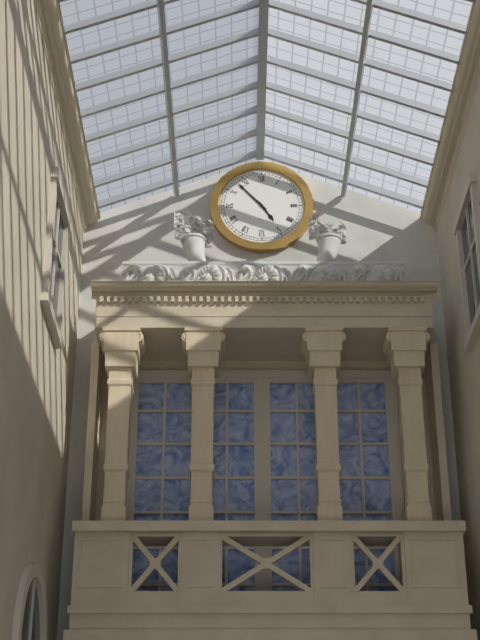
4:53
